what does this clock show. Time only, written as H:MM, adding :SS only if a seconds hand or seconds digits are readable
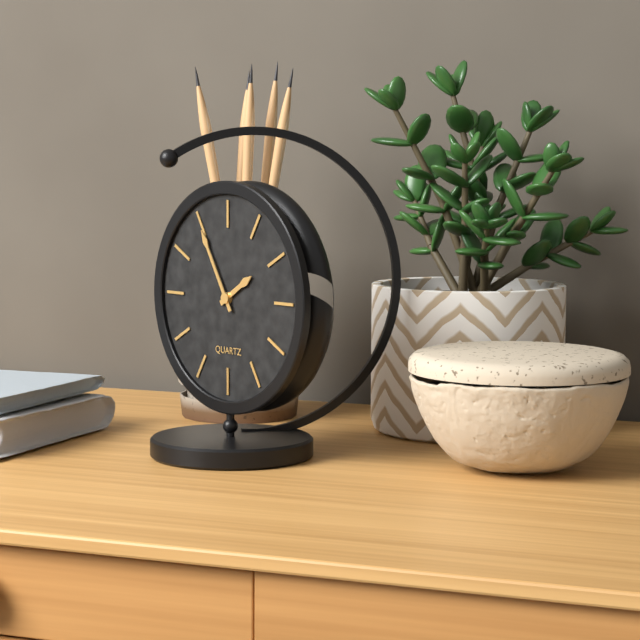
1:55
